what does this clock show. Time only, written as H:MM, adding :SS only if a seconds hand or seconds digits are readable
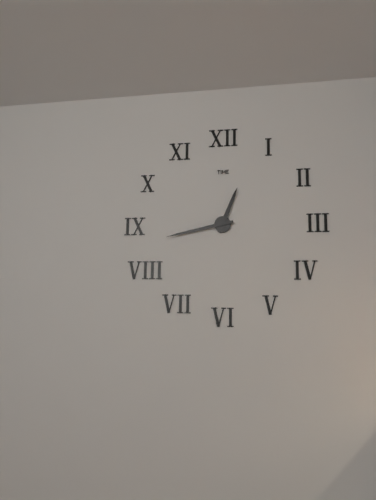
12:43
